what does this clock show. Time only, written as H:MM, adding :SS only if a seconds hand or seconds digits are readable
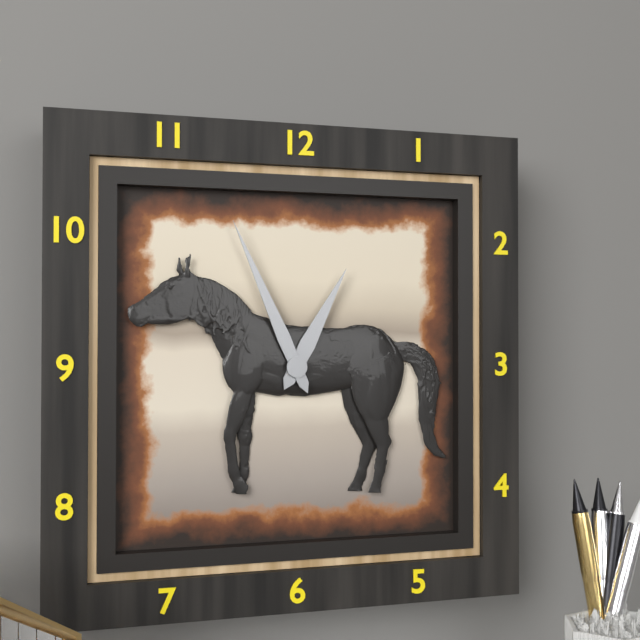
12:56
